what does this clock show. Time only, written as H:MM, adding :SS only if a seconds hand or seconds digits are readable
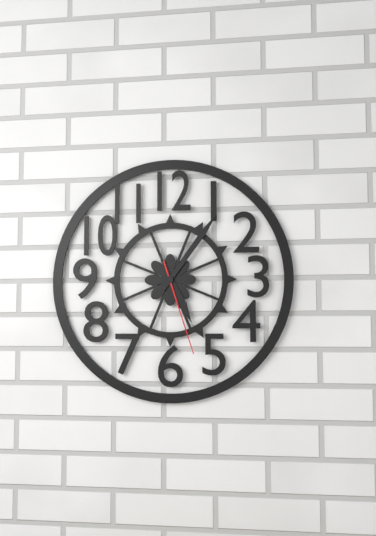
5:06:27
